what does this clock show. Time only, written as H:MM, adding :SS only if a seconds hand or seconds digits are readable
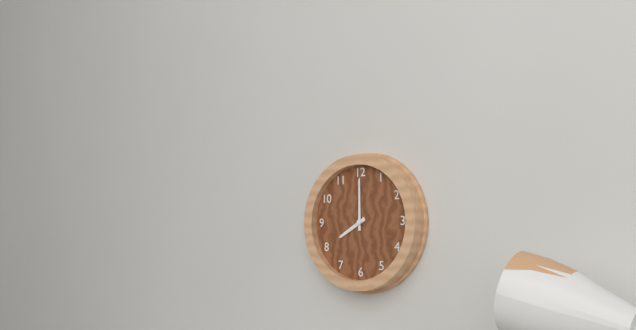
8:00
